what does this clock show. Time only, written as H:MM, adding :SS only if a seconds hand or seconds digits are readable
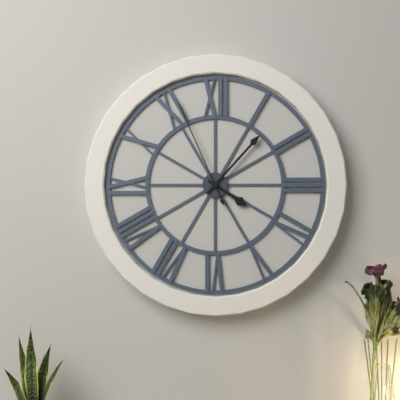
4:07:56
